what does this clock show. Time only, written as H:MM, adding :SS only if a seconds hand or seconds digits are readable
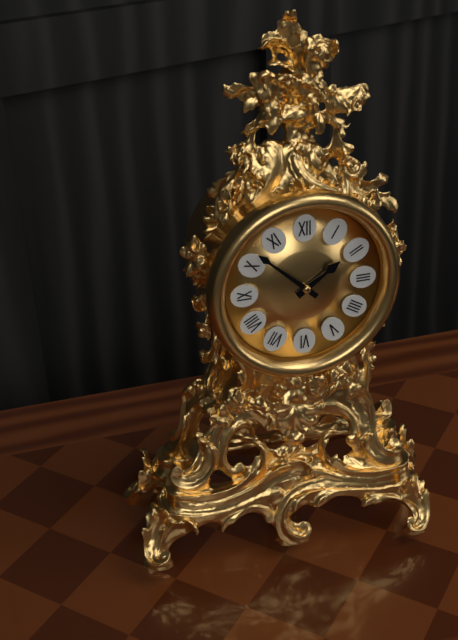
1:52
